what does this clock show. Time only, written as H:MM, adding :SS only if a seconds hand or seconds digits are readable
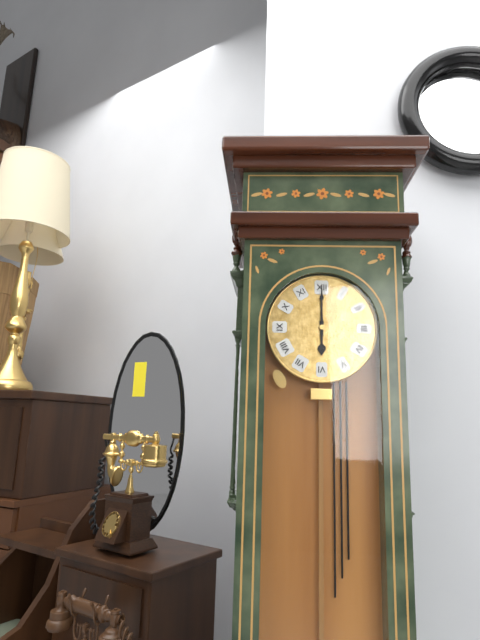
6:00
